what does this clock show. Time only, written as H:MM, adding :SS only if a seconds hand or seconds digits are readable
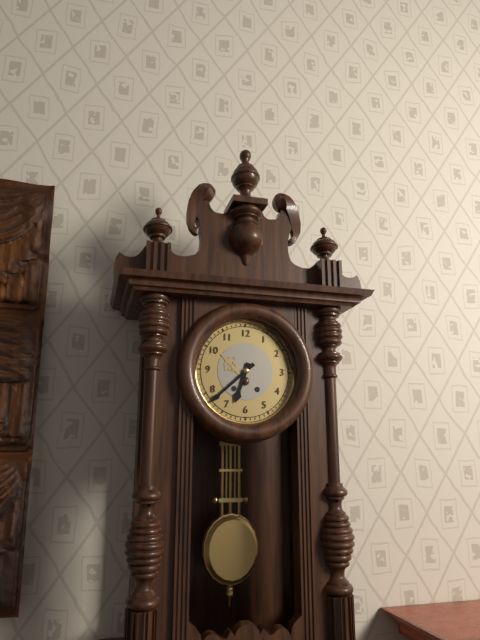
6:38
